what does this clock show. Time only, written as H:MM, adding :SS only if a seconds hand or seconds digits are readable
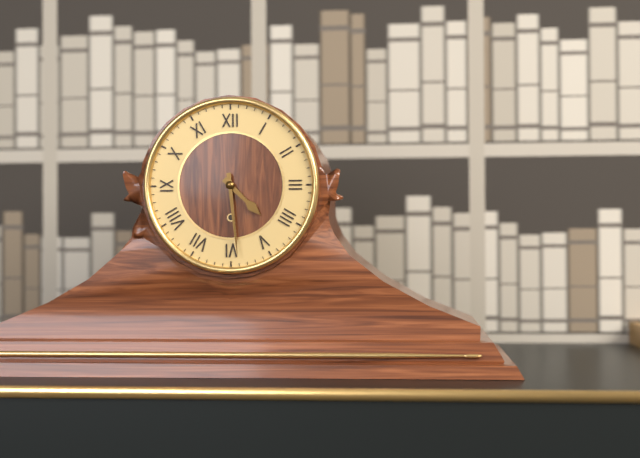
4:29
